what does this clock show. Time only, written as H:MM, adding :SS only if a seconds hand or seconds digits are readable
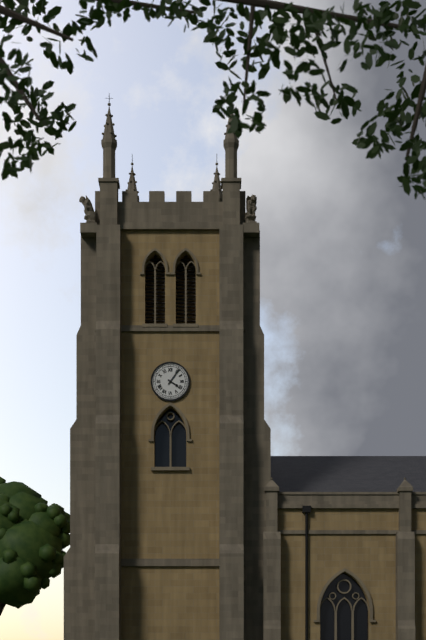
4:06
